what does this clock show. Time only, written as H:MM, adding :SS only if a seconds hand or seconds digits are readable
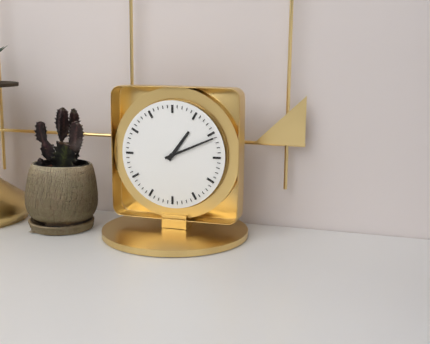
1:11
